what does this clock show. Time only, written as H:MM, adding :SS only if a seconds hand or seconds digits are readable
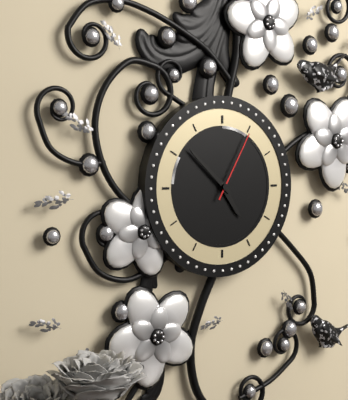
4:52:05
